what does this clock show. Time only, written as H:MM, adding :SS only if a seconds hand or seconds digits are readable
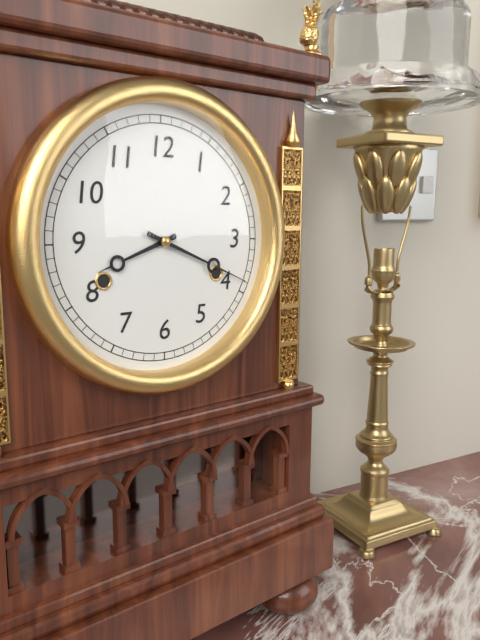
8:19
